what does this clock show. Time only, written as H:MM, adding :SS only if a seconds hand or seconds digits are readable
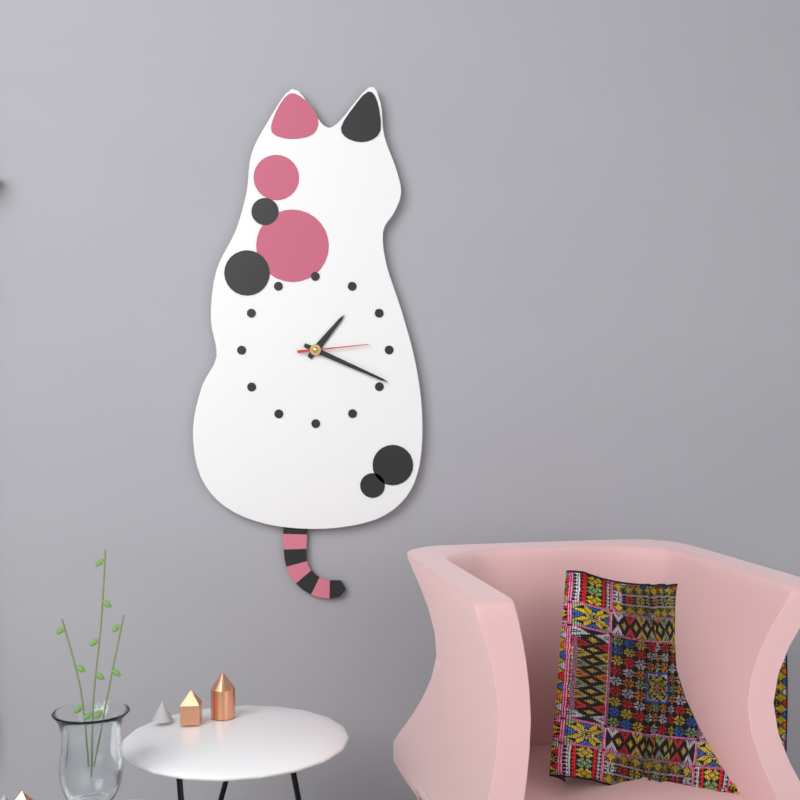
1:19:14
